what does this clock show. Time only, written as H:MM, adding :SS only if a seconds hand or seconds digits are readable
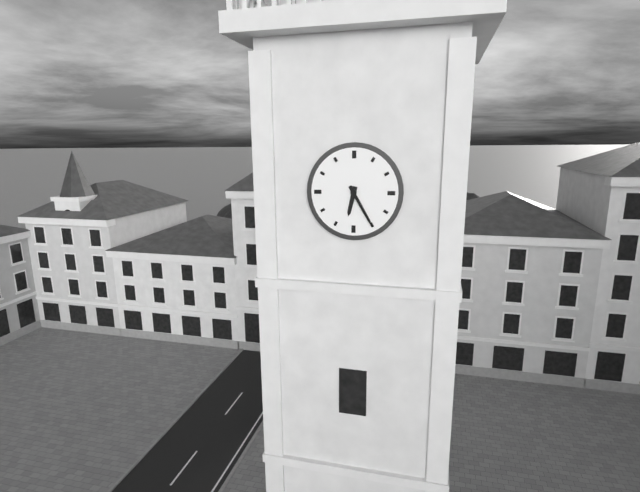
6:25
